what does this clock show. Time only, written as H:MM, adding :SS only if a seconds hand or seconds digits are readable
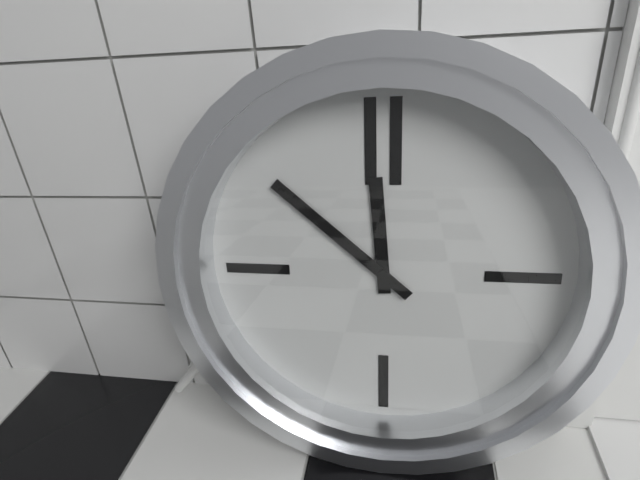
11:52
